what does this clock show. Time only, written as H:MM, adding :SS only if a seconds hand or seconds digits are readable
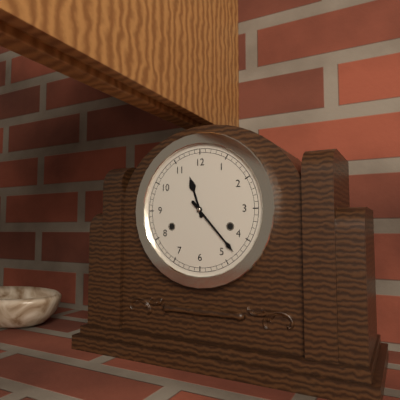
11:23
